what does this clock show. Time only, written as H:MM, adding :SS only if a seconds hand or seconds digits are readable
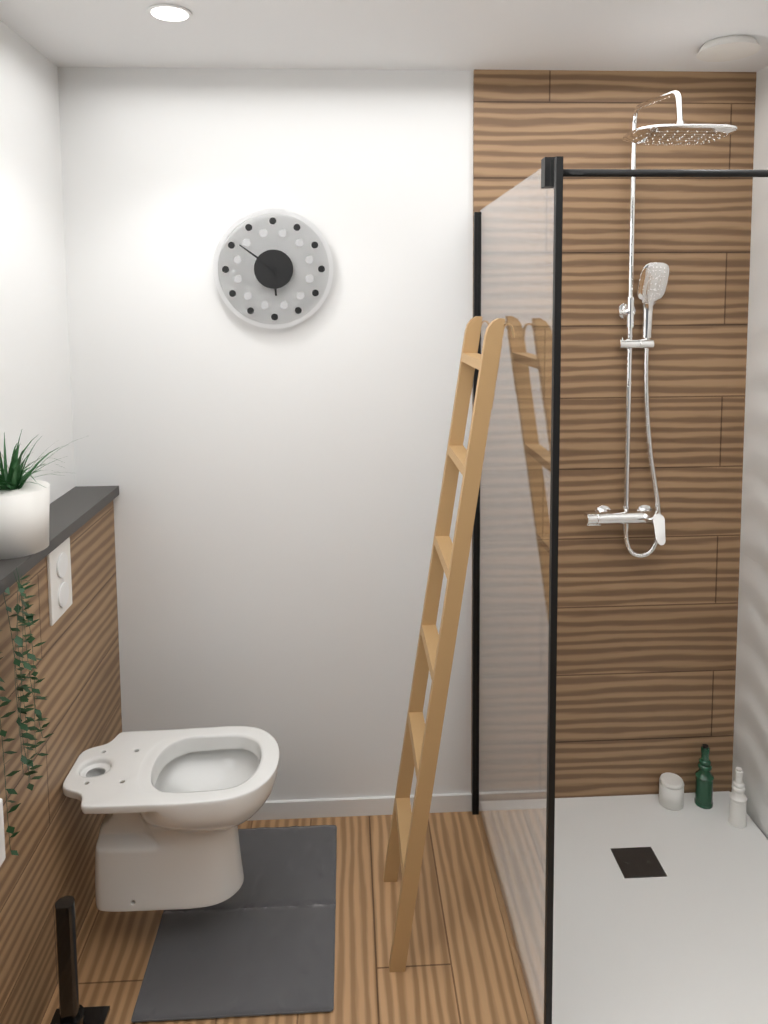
5:51
